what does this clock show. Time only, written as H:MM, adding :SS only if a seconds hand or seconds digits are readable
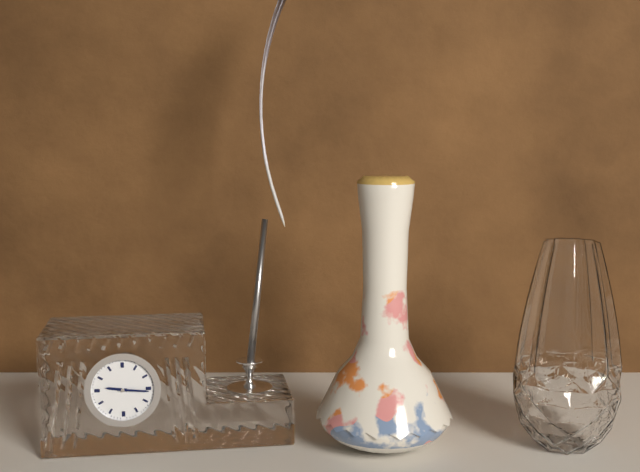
9:16
